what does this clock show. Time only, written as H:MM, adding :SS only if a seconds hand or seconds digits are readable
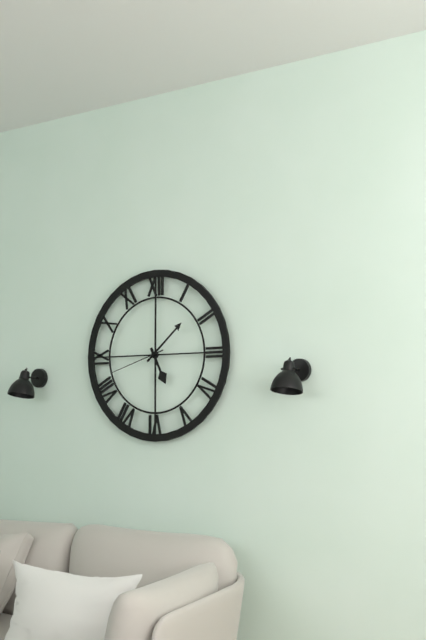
5:08:42
